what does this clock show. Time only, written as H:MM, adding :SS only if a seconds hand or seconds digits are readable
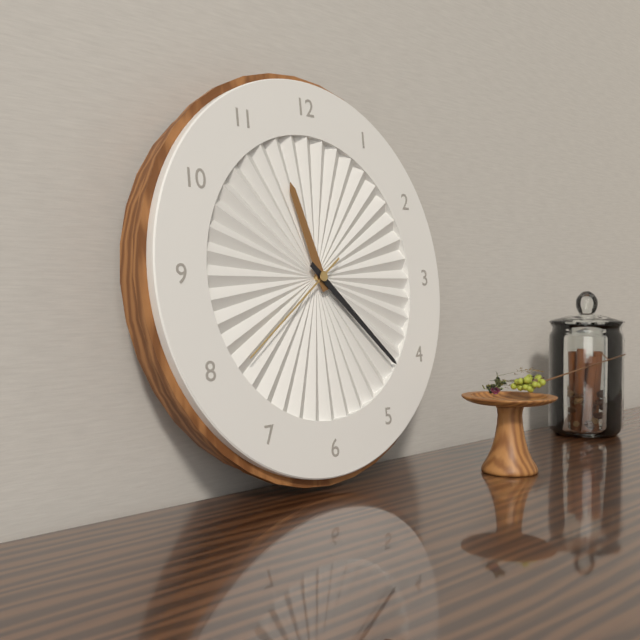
11:22:39
